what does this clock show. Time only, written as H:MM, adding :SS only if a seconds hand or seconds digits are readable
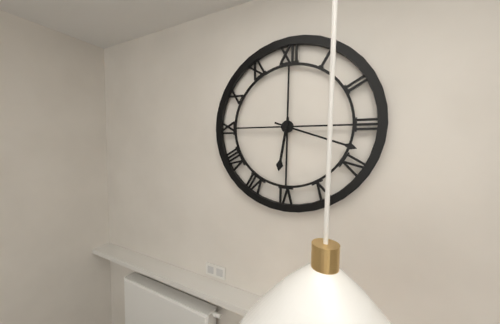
6:18
